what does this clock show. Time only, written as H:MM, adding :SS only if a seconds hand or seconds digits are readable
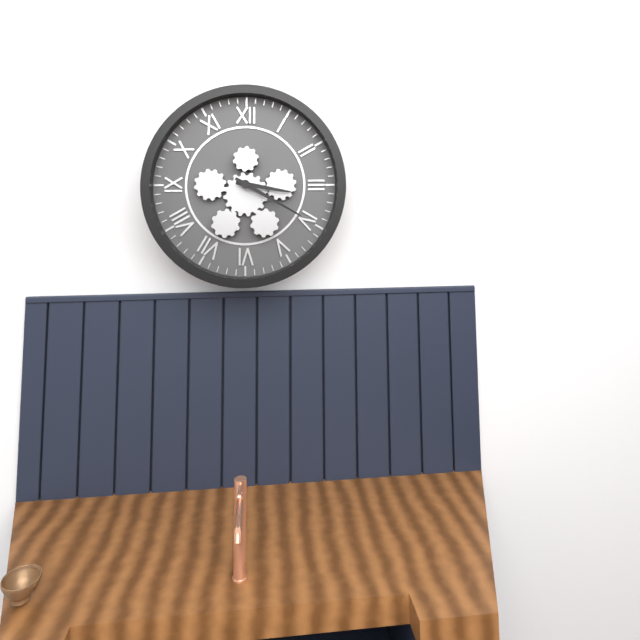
3:20
